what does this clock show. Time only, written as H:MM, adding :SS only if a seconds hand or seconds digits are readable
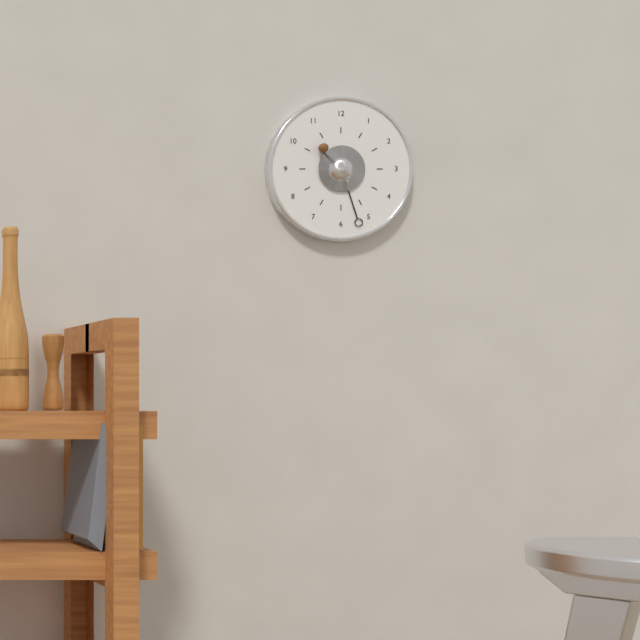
10:27
